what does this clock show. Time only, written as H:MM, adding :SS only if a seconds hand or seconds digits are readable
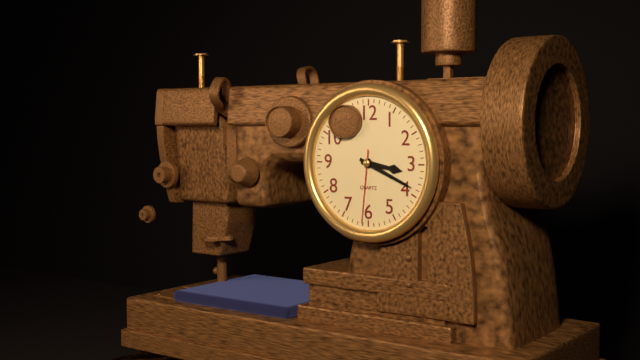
3:19:31
